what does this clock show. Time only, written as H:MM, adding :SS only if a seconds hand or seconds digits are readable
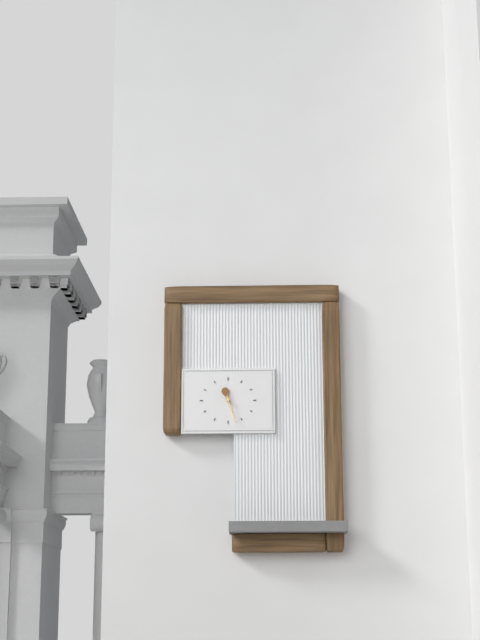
11:27
